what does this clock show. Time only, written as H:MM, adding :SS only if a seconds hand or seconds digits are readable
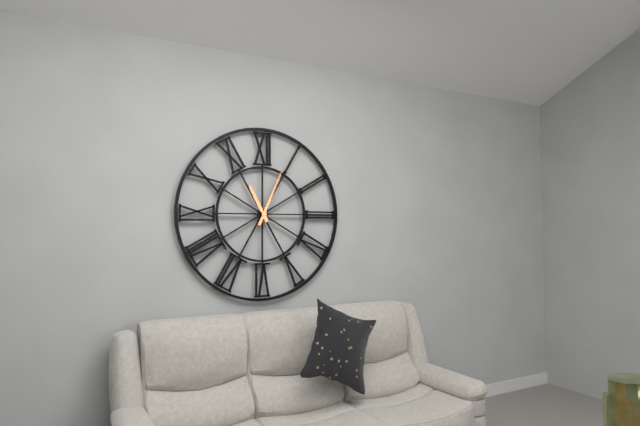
11:04
